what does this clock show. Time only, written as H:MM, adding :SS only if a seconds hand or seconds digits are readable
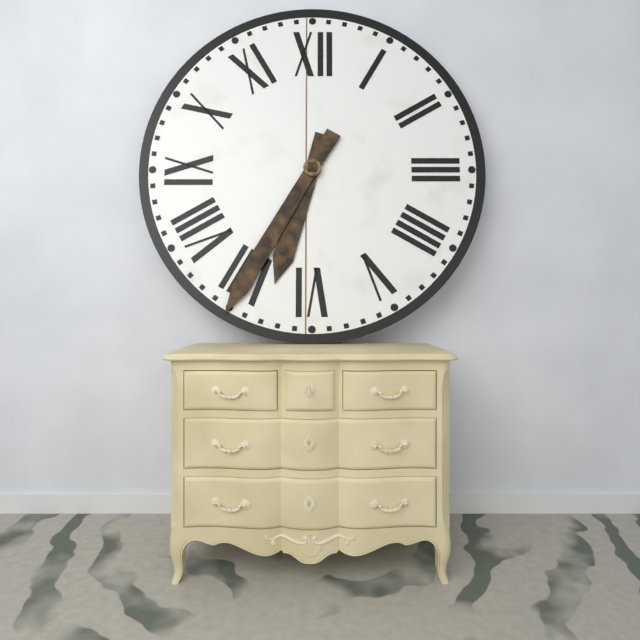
6:35
